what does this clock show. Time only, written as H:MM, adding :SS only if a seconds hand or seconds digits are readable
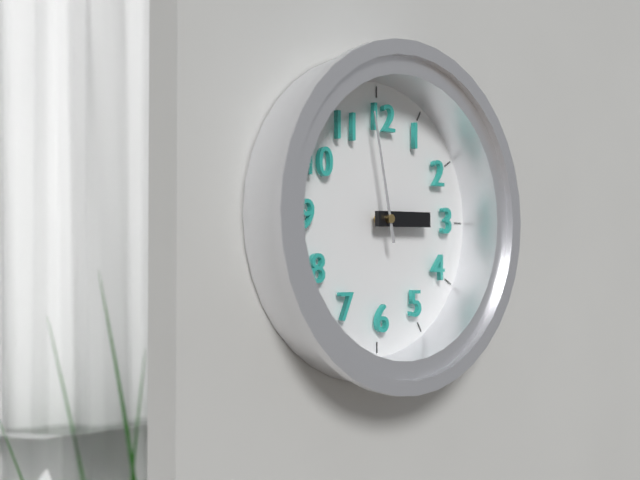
2:58
